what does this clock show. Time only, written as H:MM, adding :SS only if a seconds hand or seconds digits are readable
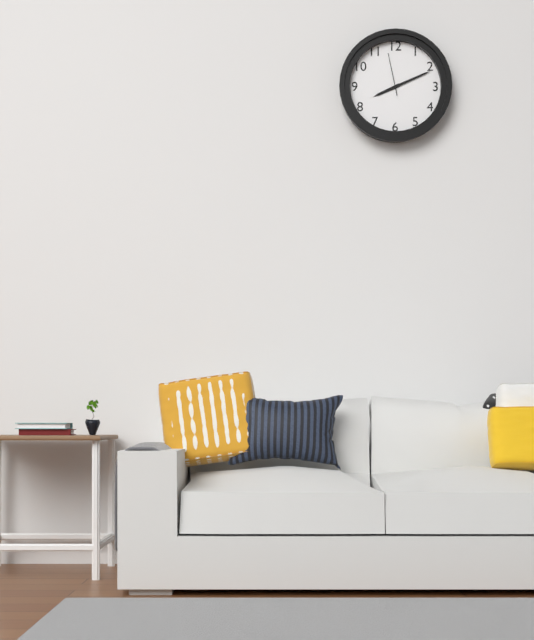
8:11
